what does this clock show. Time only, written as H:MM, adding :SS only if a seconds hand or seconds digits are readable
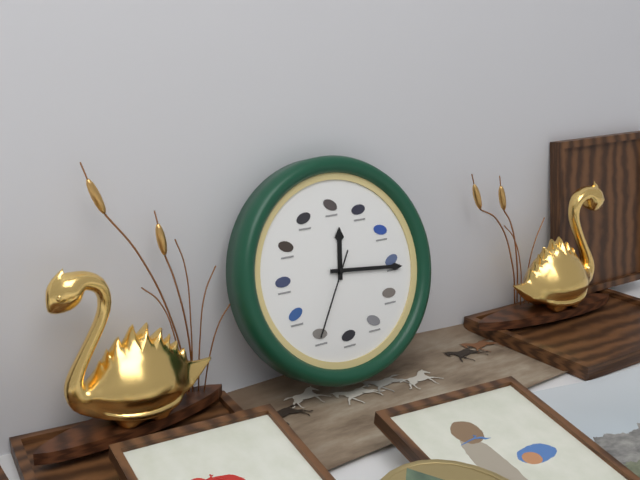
12:16:35
